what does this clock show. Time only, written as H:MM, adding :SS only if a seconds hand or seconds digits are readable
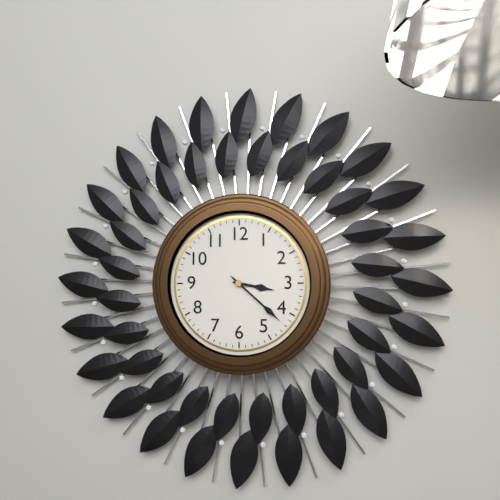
3:22
